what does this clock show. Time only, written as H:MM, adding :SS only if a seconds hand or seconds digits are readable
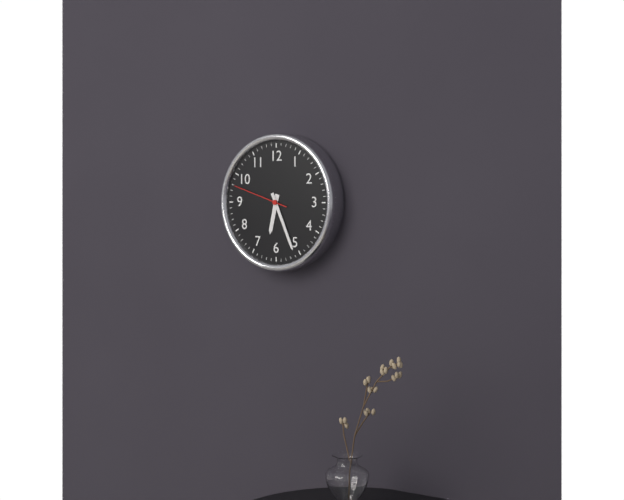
6:26:48
